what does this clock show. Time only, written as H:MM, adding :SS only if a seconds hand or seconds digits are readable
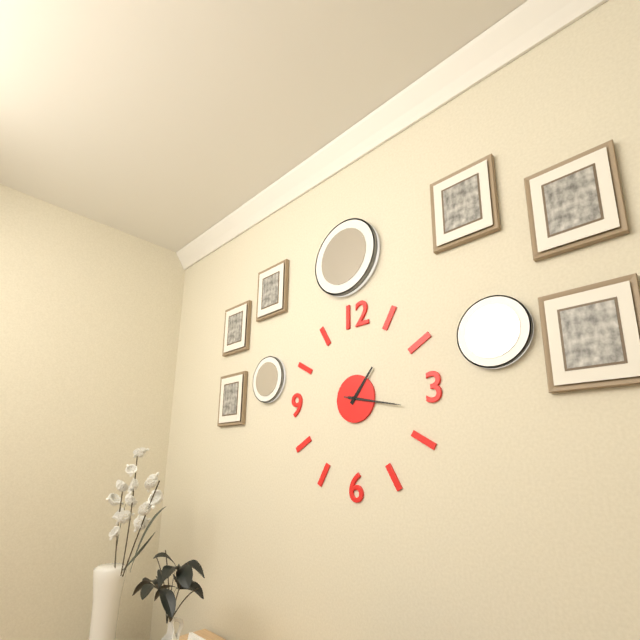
1:17:17
